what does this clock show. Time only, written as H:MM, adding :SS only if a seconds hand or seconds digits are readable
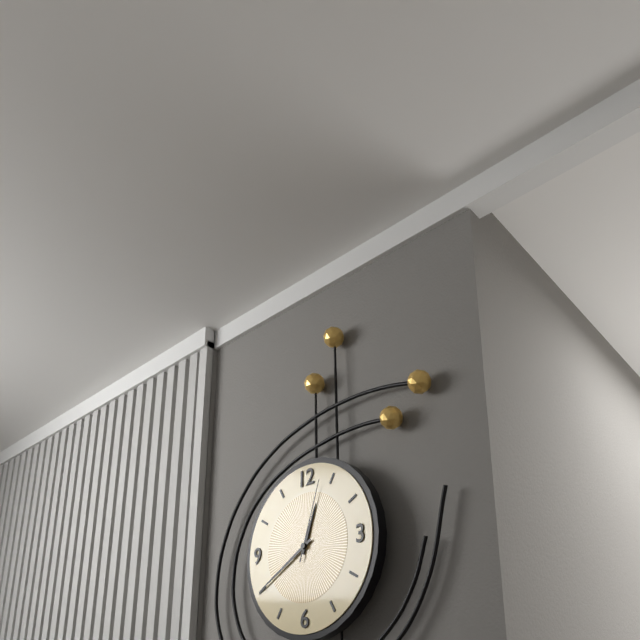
12:40:03
